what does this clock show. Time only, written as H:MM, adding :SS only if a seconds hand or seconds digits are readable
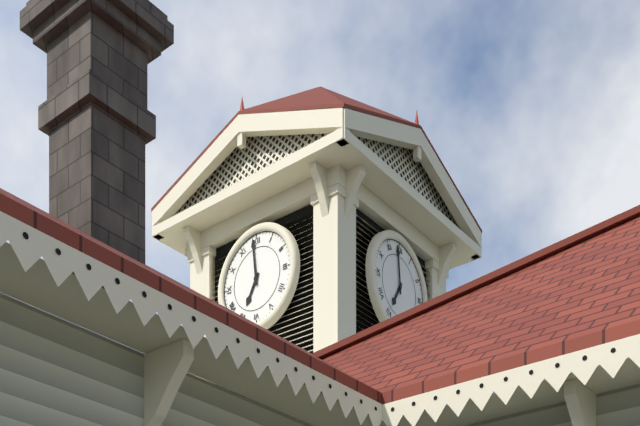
6:59
